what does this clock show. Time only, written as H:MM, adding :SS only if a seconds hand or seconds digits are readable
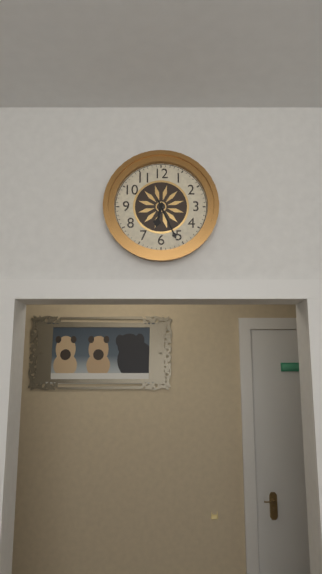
6:26
